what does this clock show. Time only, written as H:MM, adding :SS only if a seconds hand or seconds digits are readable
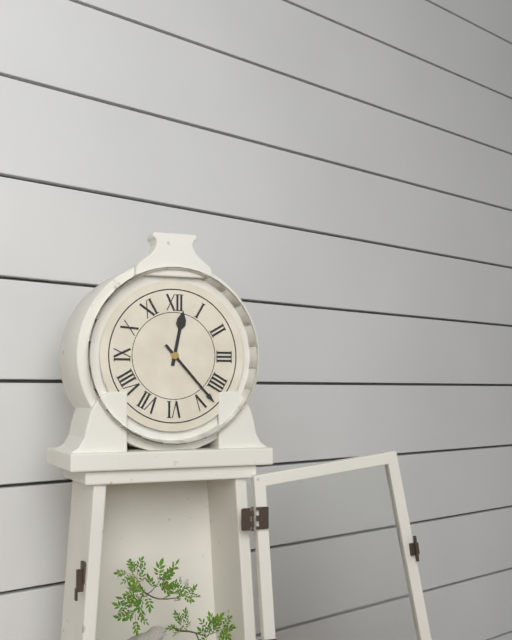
12:23
